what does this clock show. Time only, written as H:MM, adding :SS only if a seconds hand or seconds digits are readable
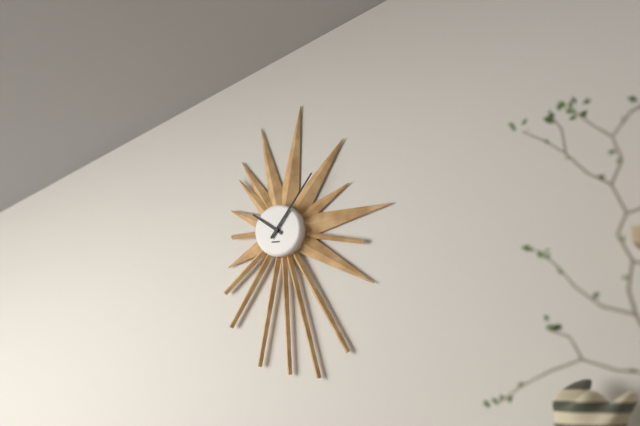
10:06
